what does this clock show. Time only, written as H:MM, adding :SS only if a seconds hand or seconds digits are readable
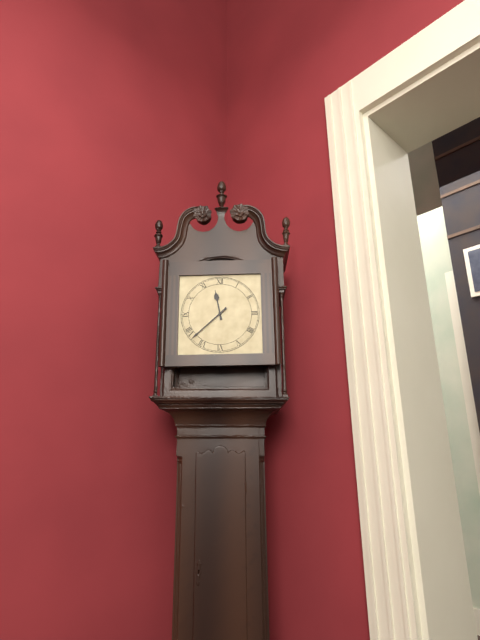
11:38
